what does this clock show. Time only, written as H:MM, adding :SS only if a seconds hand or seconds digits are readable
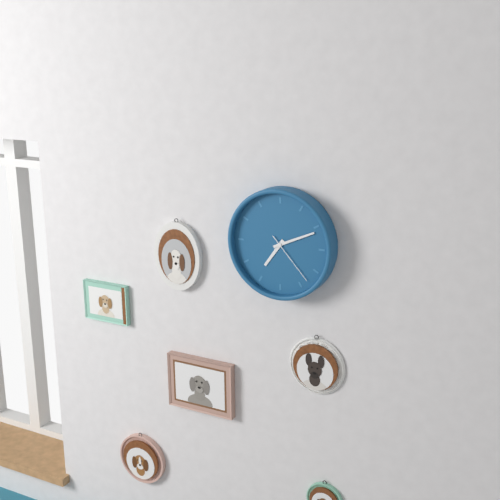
7:11:23
